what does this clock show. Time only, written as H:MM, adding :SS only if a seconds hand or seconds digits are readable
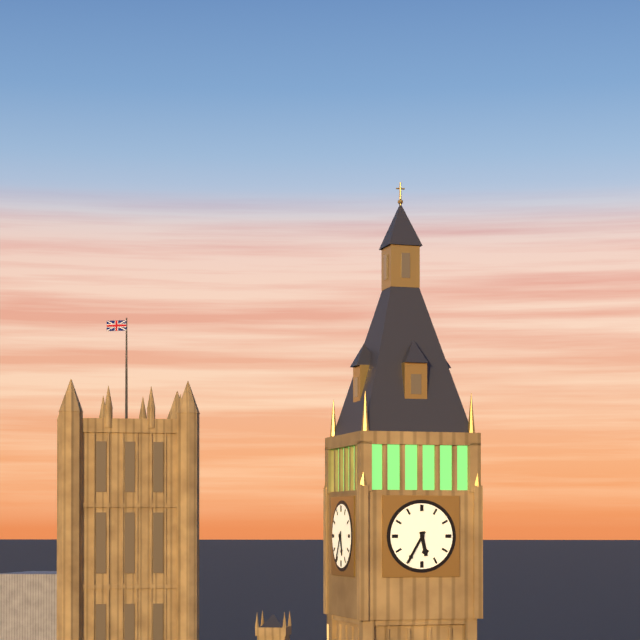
5:35
